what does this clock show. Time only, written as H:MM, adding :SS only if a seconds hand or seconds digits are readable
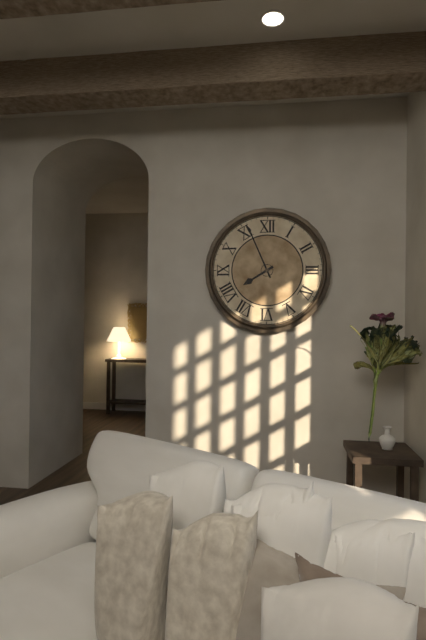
7:56
